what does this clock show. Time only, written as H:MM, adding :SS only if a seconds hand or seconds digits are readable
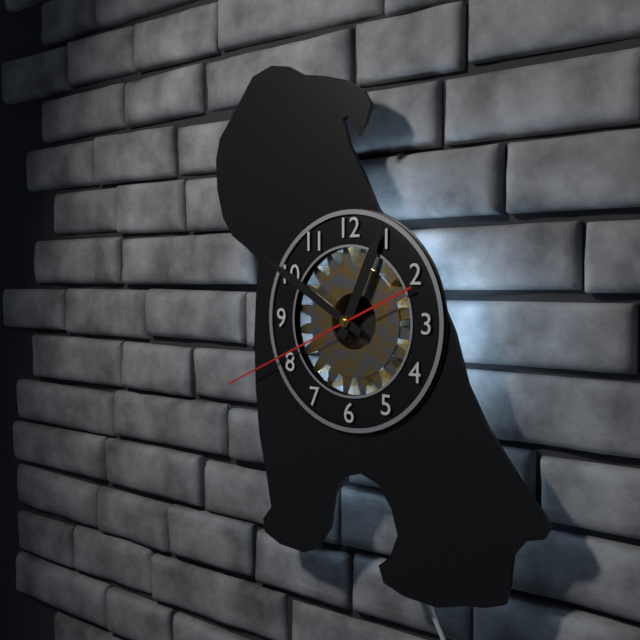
12:50:41
